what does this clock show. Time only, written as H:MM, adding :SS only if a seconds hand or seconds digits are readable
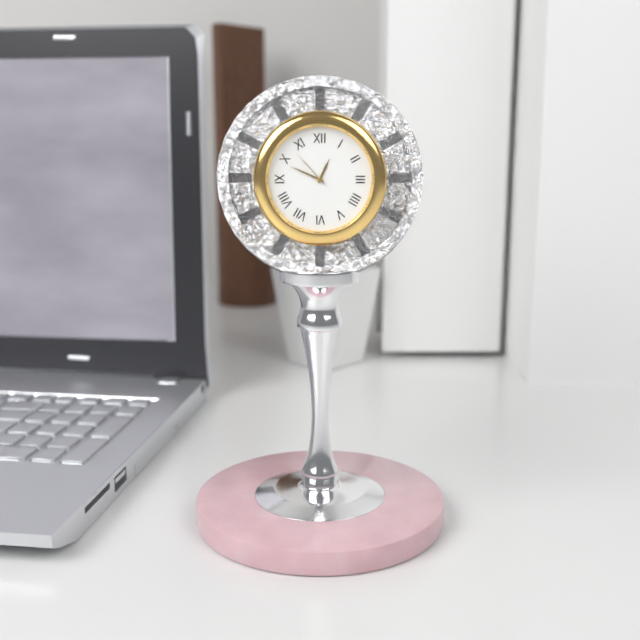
12:49
